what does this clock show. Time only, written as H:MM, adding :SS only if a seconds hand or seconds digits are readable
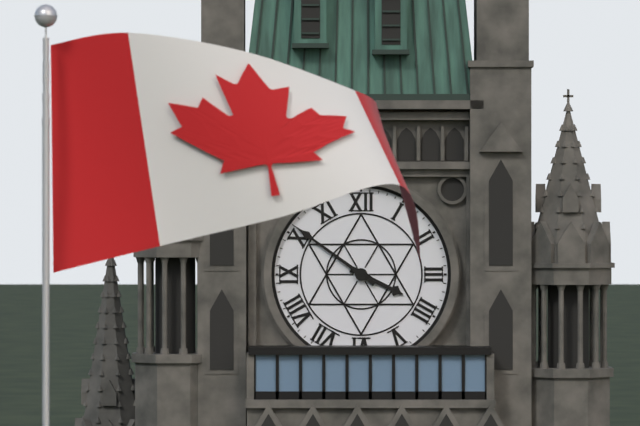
3:51
